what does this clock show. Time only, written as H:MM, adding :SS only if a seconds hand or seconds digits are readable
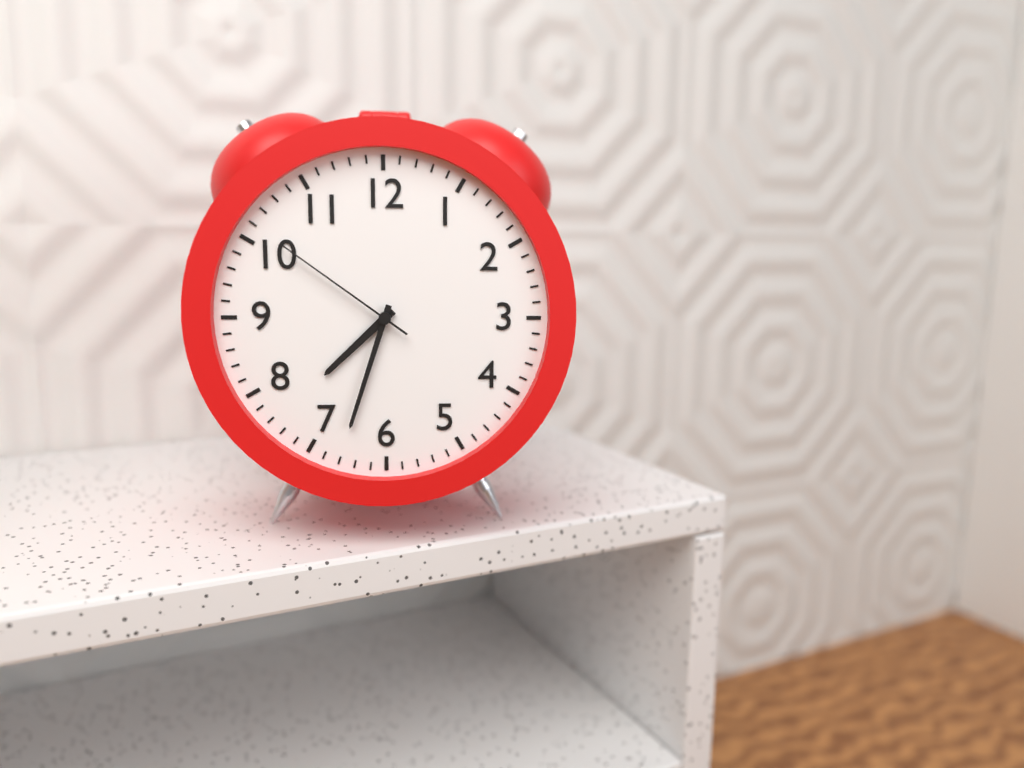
7:33:51
